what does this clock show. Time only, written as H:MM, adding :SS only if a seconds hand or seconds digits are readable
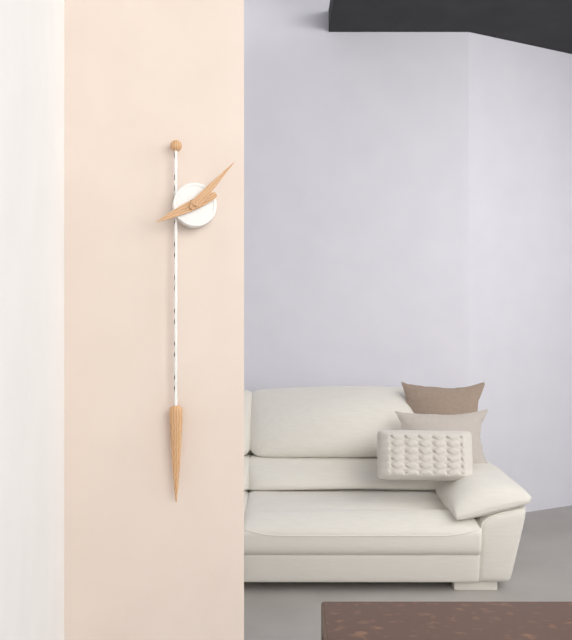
8:07
